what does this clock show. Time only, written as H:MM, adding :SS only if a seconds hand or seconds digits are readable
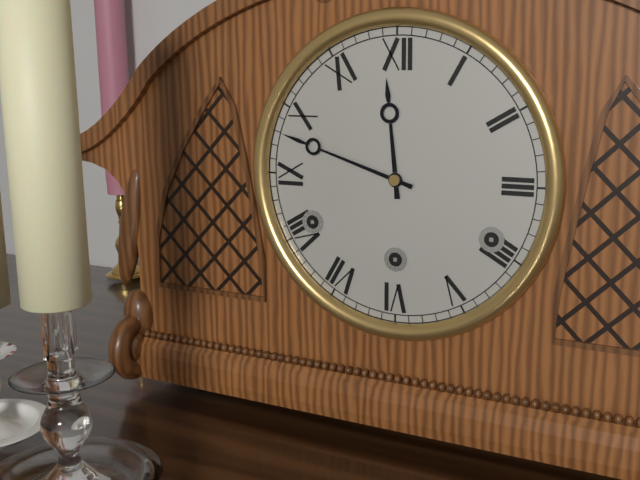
11:48
